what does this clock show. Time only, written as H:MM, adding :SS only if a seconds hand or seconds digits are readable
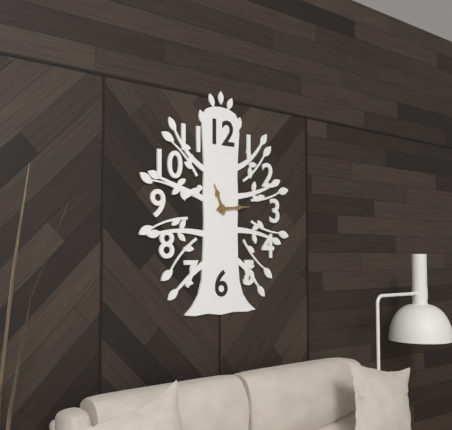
11:14
